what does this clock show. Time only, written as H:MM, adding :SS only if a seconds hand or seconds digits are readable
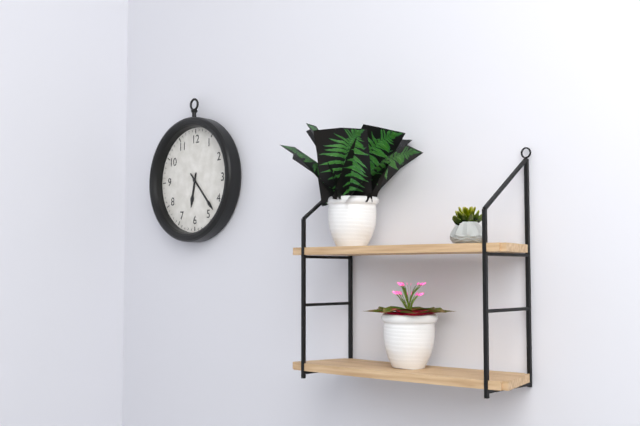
6:23
